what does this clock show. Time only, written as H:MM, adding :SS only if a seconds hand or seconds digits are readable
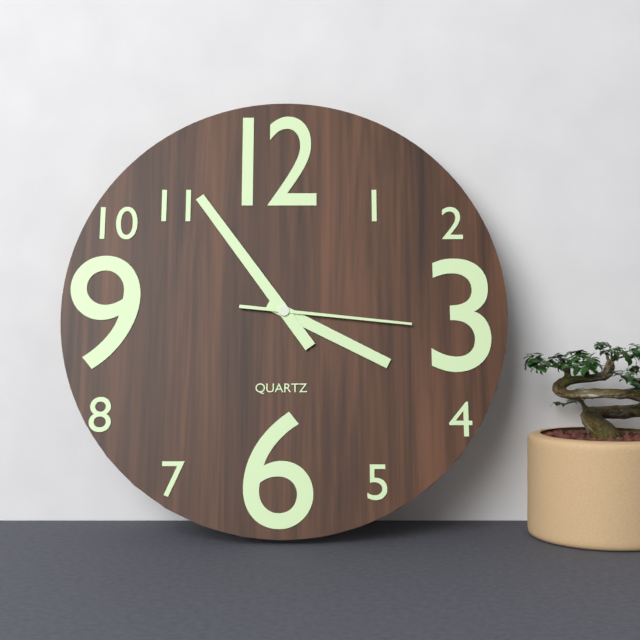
3:54:16
